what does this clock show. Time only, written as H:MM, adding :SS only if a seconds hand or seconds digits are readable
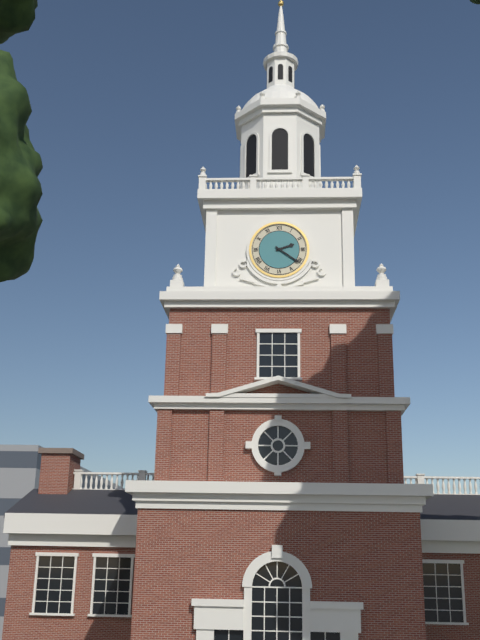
2:21
